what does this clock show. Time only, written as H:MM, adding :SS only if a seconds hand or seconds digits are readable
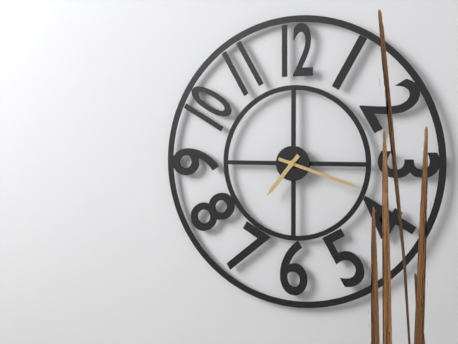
7:18
